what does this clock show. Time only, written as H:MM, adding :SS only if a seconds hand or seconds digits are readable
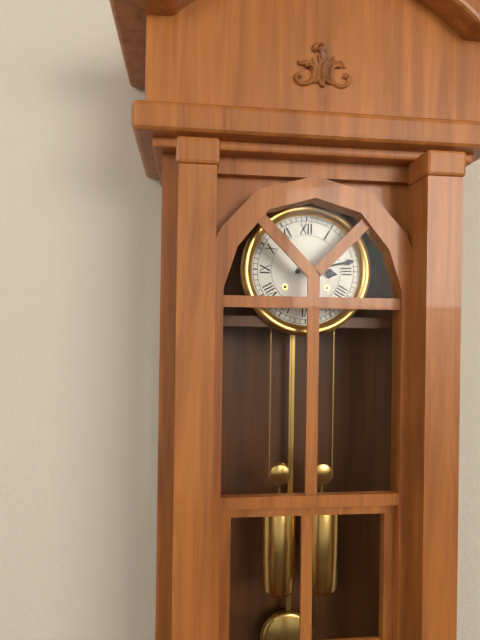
3:13
